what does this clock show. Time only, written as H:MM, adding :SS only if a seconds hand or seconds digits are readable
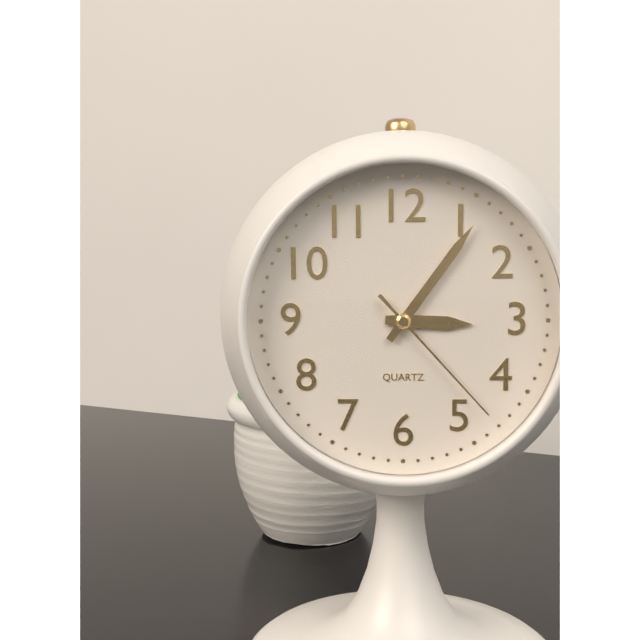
3:06:23
